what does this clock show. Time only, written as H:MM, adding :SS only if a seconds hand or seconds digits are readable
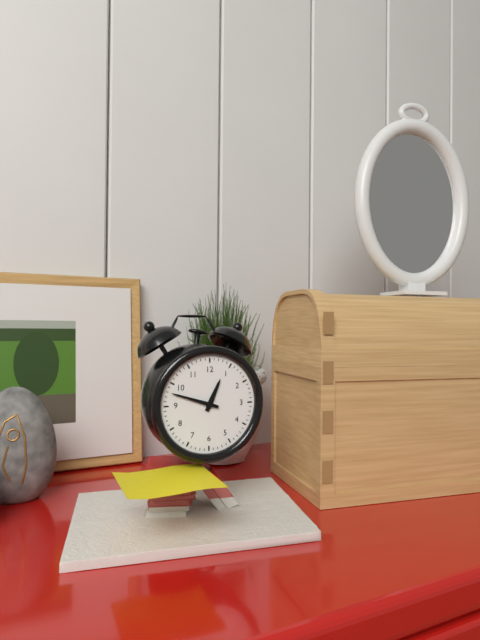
12:48
